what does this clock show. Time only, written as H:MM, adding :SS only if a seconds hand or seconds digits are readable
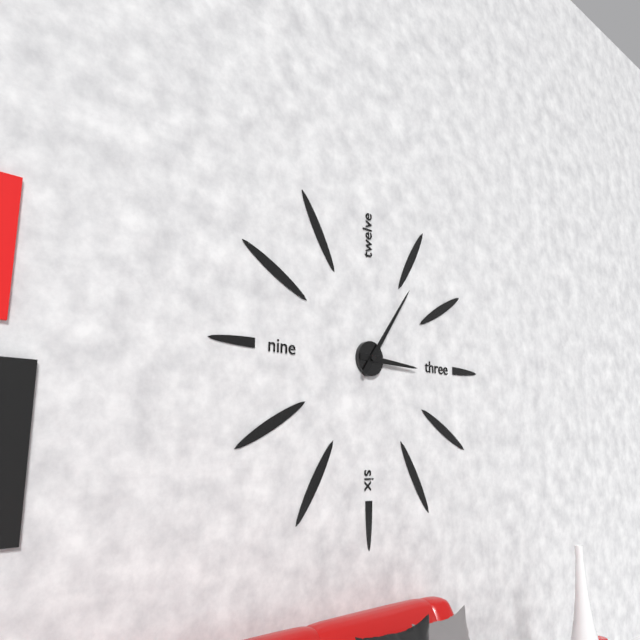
3:06
